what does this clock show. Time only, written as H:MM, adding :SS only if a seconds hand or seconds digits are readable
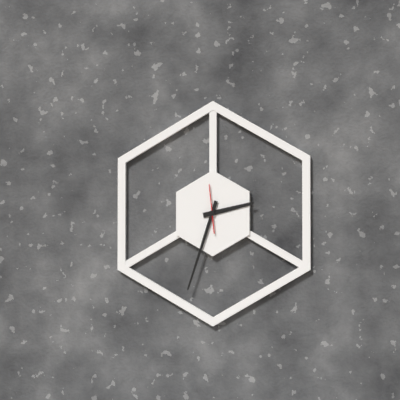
2:33
